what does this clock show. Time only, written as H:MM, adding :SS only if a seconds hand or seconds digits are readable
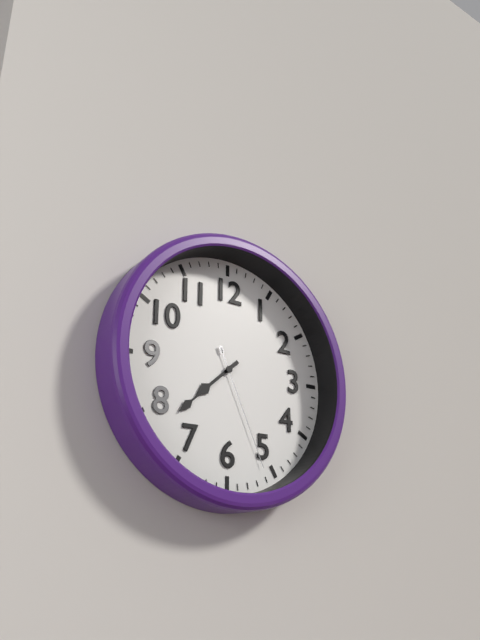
7:38:26
